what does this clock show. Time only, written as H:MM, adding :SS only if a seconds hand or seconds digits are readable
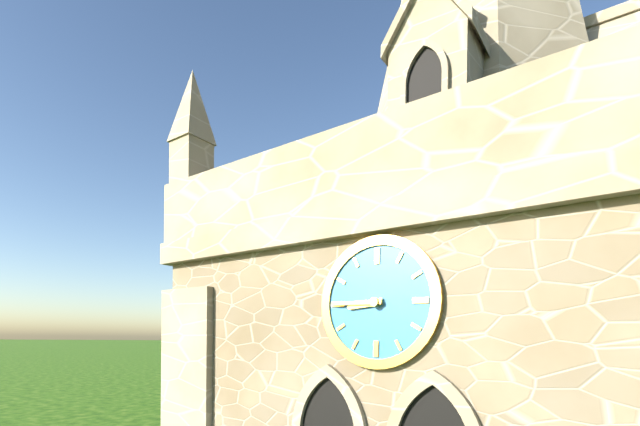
8:45
